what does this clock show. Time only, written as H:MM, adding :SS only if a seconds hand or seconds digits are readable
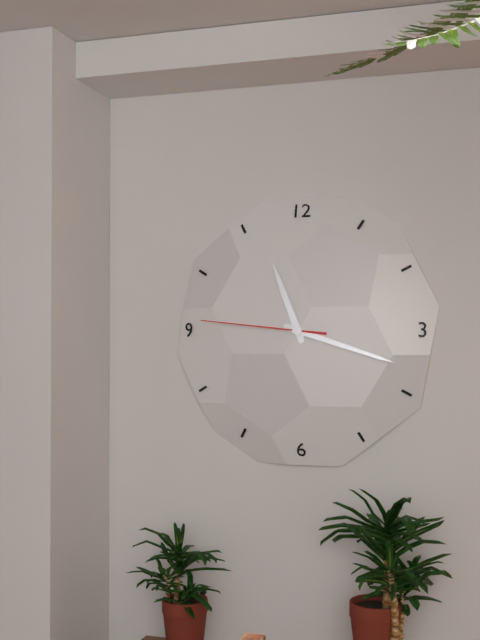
11:18:46
